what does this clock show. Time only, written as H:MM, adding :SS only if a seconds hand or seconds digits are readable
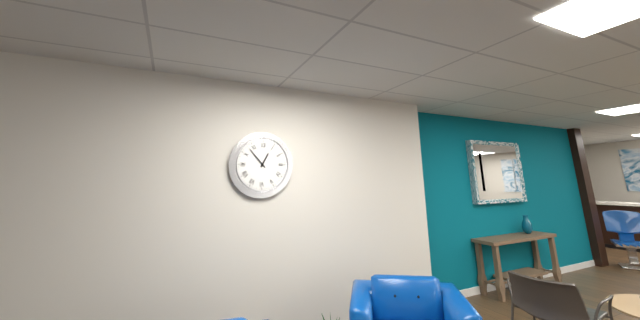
12:53
